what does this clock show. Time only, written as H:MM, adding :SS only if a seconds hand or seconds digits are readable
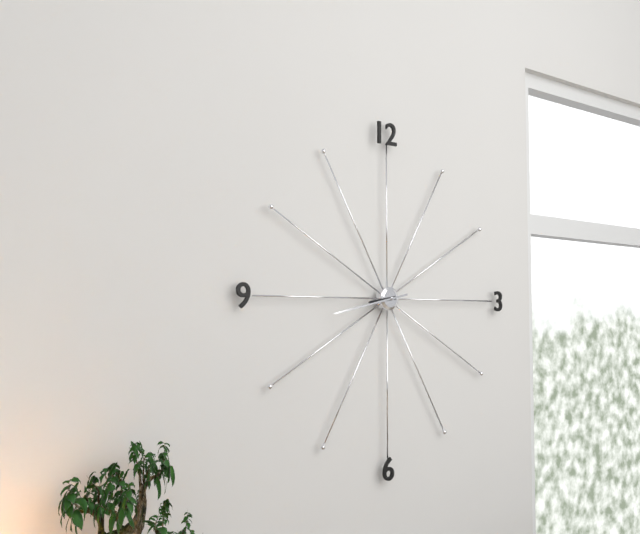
8:43
